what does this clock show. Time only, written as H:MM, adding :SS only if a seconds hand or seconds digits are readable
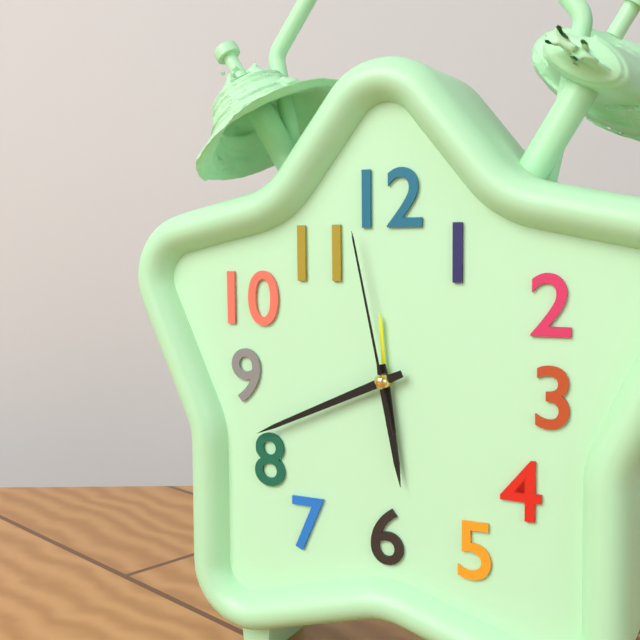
5:41:58
